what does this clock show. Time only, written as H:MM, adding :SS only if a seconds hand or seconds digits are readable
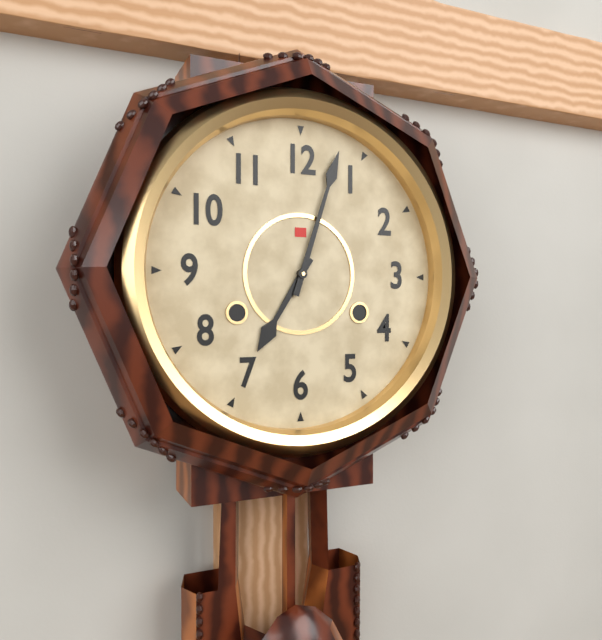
7:03
